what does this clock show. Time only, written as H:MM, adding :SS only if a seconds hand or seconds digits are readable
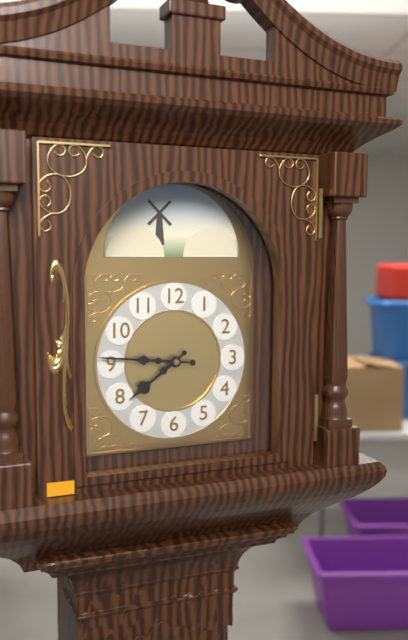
7:46
